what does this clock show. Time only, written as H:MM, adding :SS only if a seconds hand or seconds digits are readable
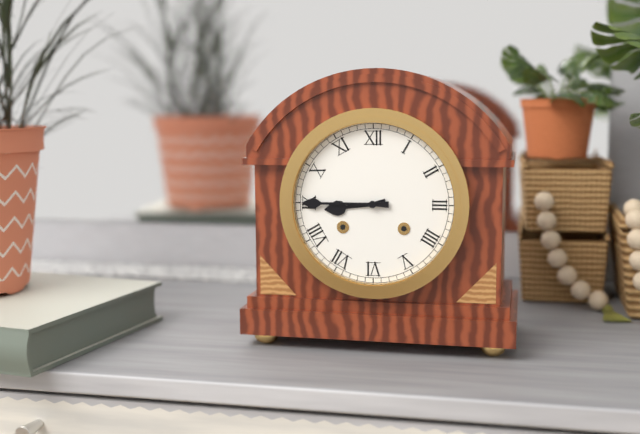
8:45
